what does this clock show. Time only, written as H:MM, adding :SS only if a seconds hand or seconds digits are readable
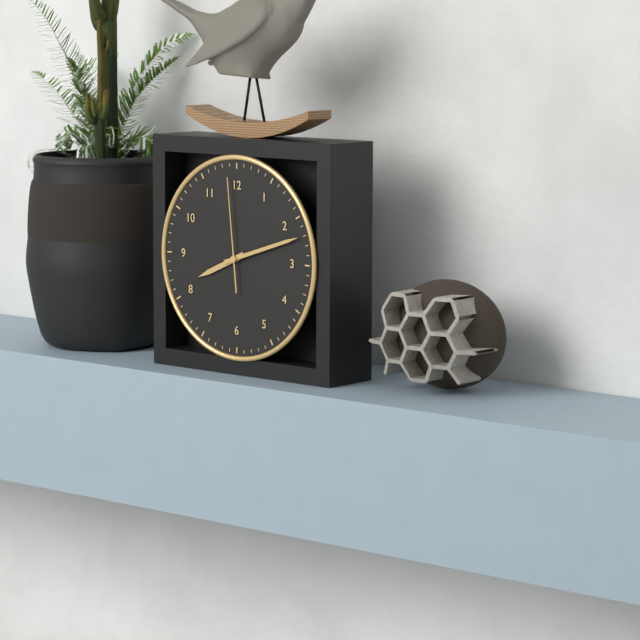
8:12:59
